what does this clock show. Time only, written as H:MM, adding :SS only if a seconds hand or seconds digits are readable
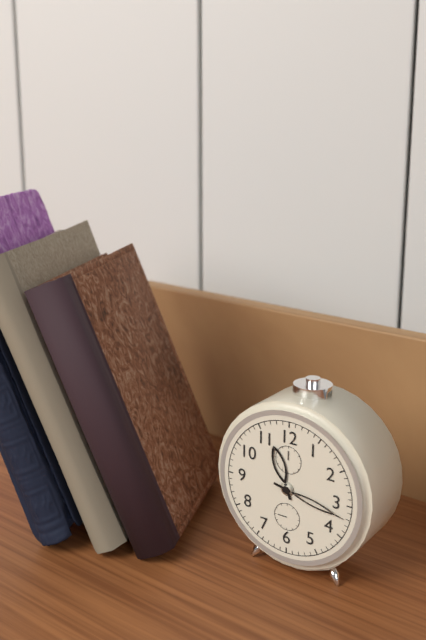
11:17
